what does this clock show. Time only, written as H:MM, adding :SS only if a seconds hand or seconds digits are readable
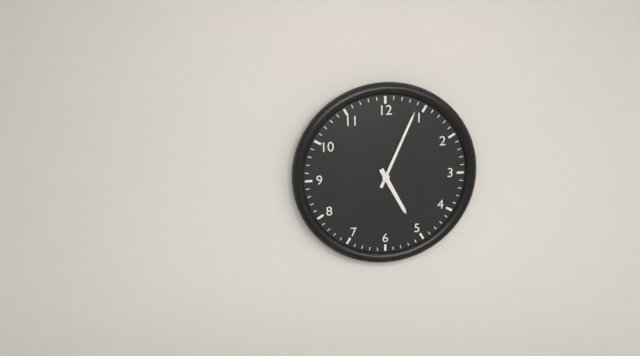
5:04
